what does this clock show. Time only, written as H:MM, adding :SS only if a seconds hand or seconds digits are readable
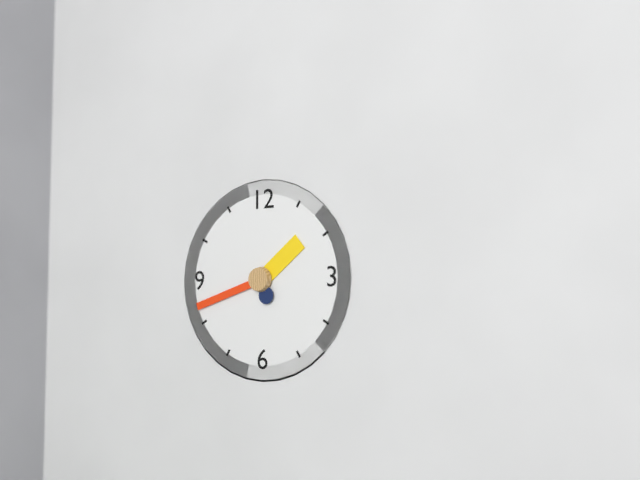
1:42
